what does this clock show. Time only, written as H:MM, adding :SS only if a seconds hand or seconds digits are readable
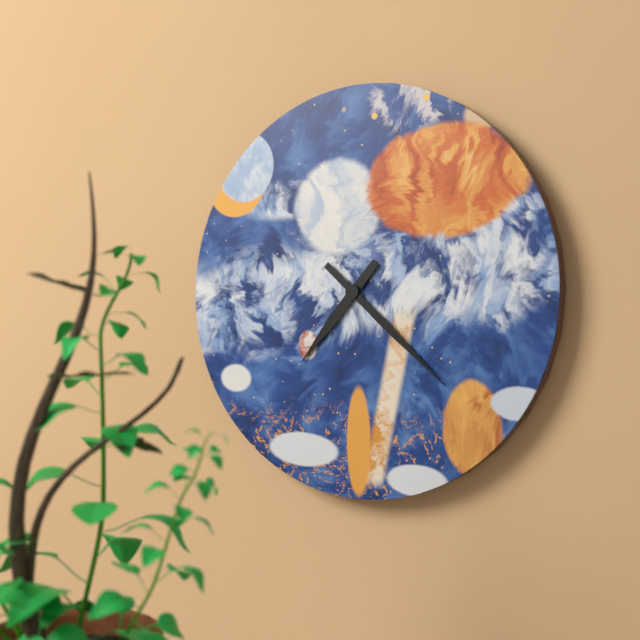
7:22
